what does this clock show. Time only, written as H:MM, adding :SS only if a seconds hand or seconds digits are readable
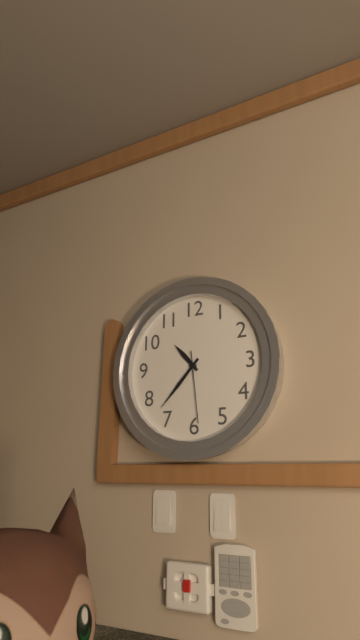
10:37:29
